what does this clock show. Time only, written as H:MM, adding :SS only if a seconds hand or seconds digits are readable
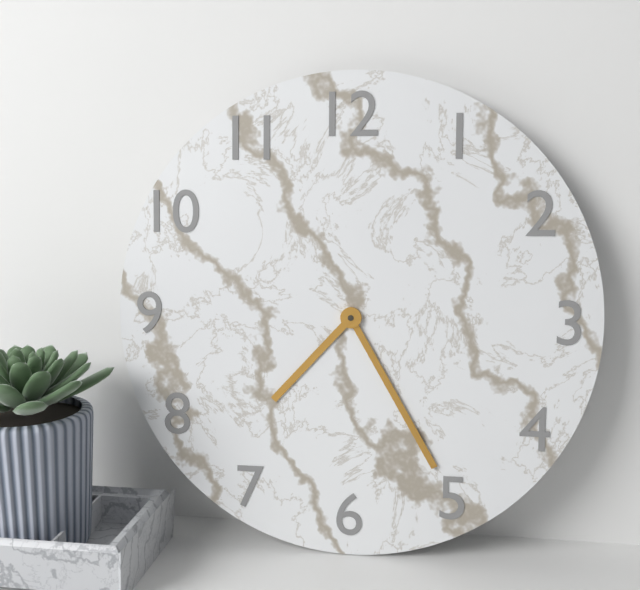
7:25
